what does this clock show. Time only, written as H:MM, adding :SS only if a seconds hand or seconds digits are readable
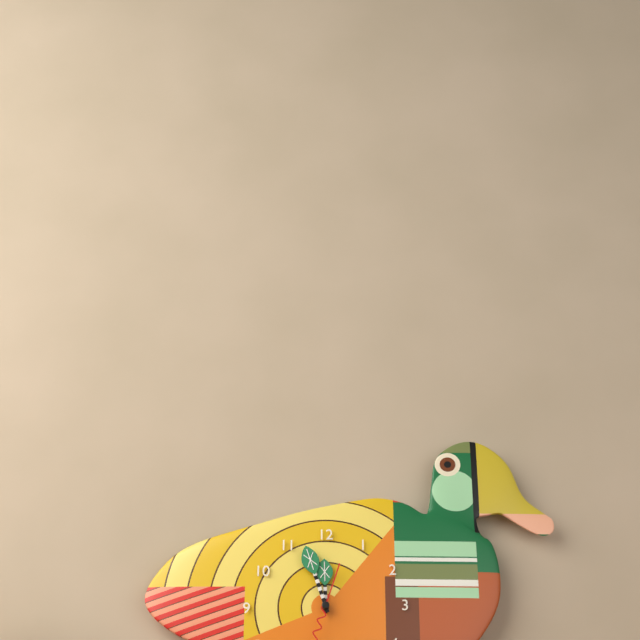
11:57
